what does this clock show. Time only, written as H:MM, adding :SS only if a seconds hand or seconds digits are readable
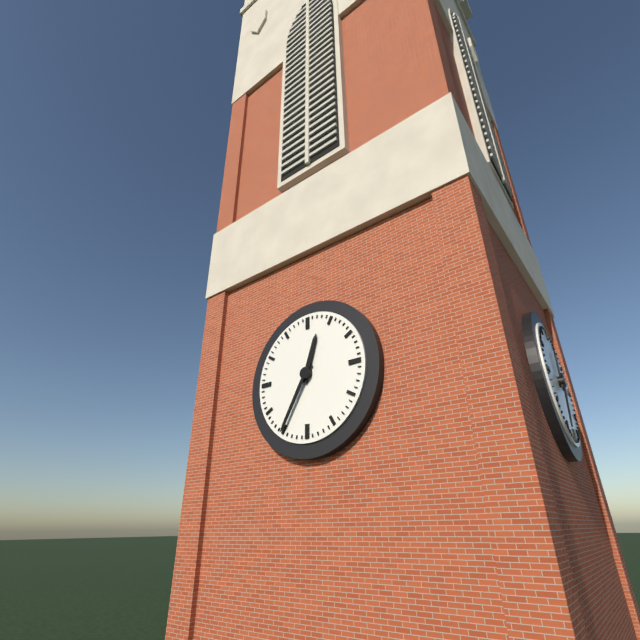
12:35
